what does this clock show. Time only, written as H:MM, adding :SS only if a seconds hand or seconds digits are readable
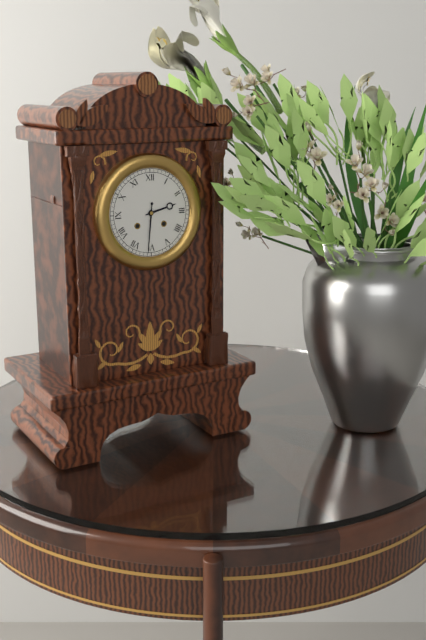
2:31
